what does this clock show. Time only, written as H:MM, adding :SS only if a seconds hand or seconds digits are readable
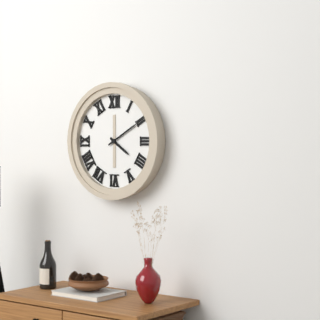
4:10
